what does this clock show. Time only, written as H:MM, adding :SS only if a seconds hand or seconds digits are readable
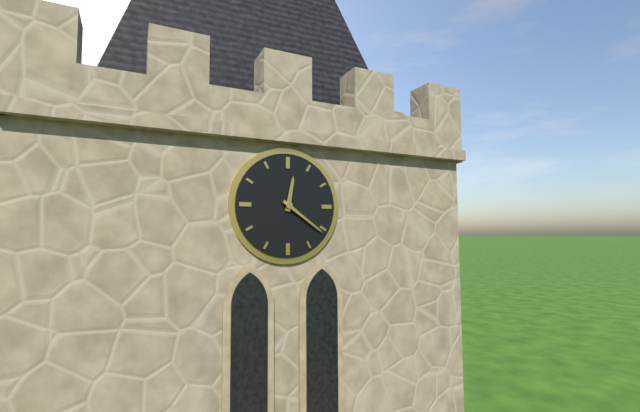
12:21
